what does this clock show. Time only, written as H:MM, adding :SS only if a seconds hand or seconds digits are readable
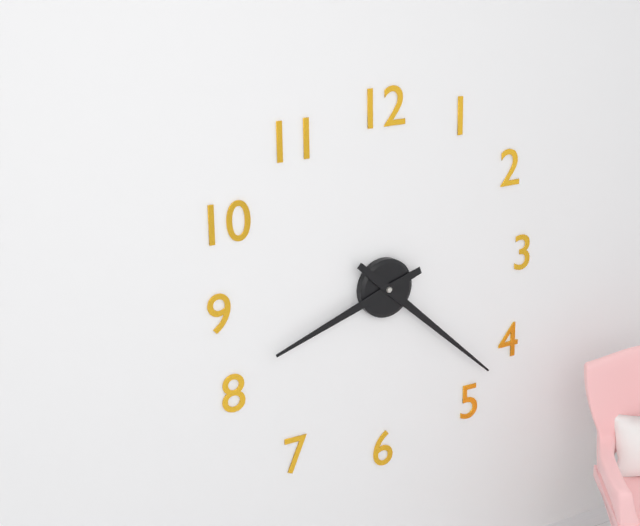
8:22
